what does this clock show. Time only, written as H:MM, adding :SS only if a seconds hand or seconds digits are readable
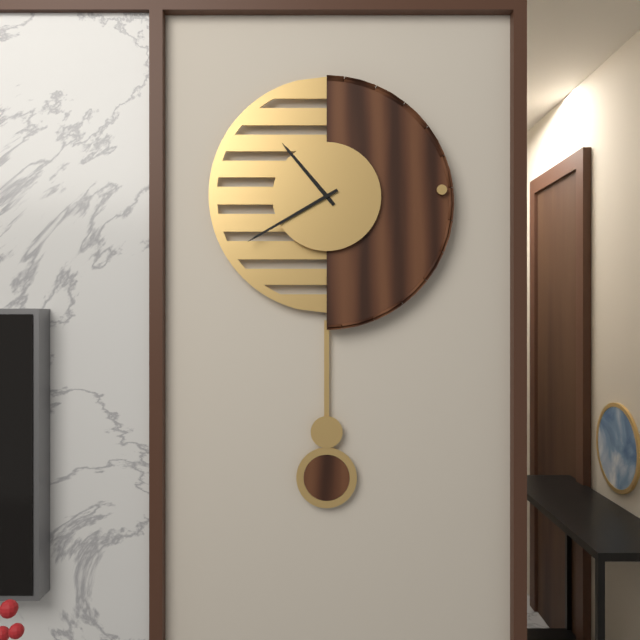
10:40
